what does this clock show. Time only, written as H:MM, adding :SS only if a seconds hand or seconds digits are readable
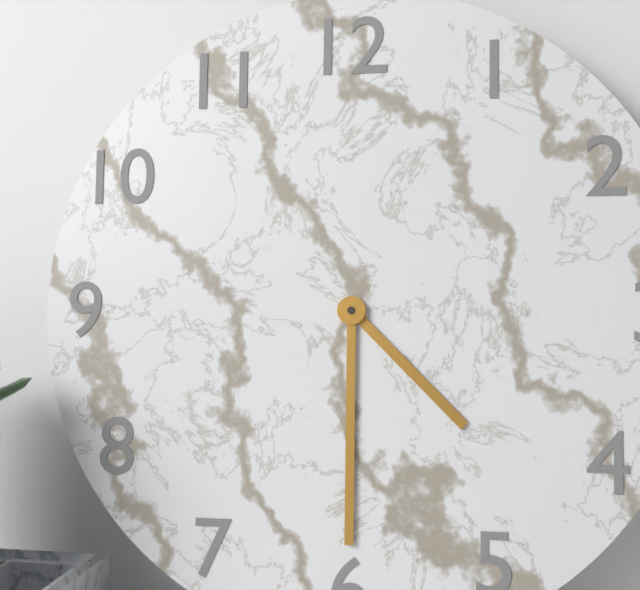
4:30
